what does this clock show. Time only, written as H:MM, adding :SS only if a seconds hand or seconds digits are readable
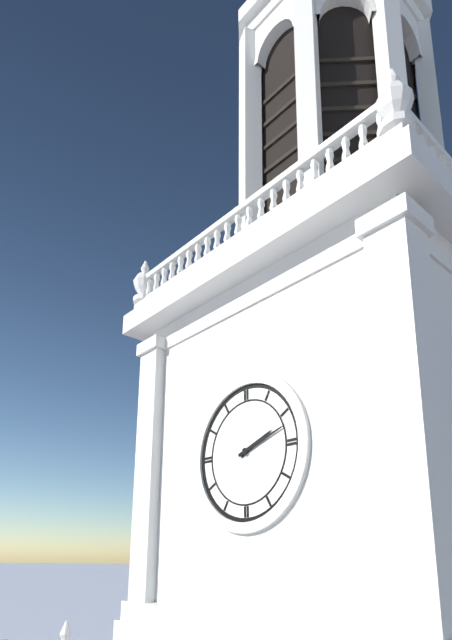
2:12
